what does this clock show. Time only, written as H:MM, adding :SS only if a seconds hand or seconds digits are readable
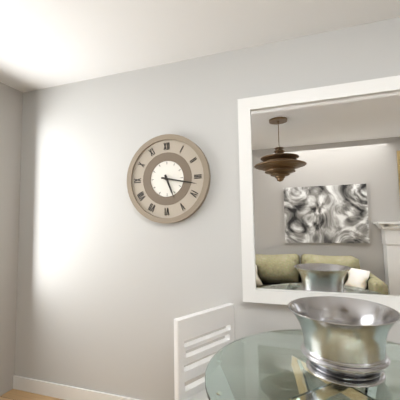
5:17
